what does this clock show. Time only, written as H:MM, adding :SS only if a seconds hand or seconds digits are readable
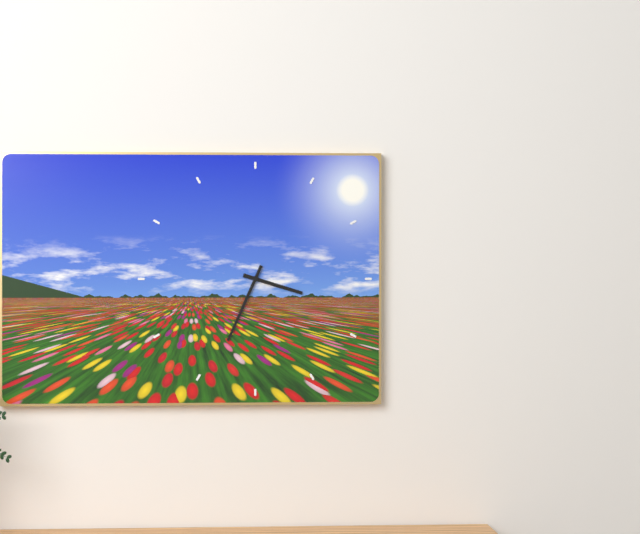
3:34
